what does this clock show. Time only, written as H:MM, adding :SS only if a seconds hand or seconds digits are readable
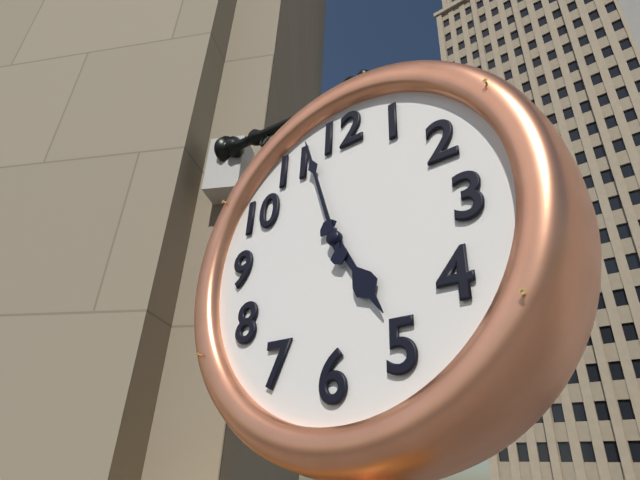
4:57
